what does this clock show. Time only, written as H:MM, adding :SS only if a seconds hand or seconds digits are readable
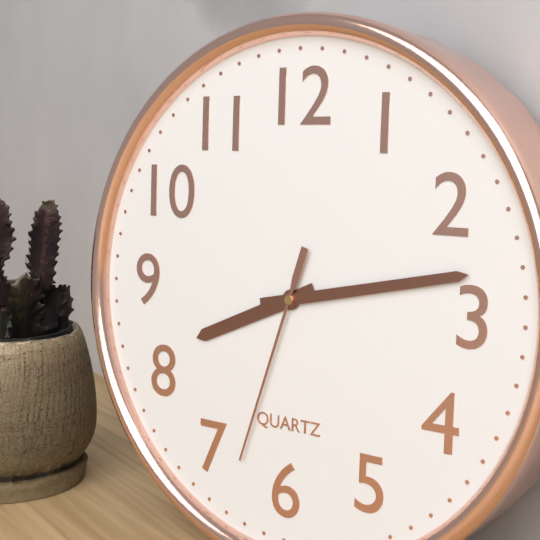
8:13:33
